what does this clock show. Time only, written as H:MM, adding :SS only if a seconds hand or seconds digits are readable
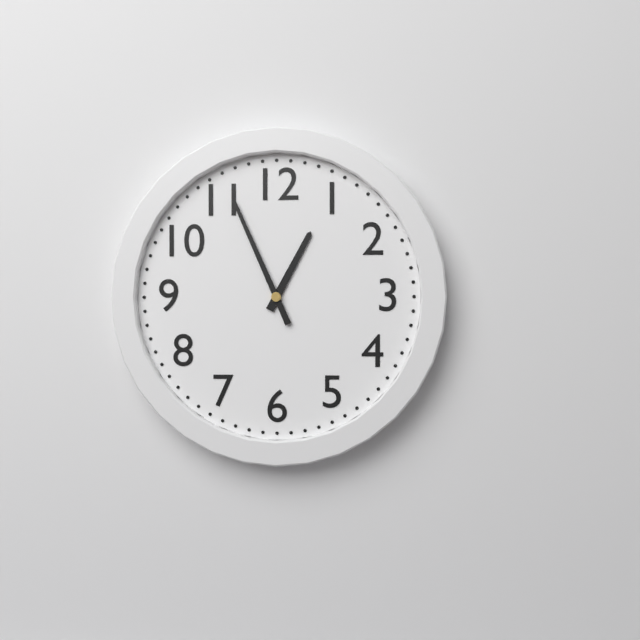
12:56
